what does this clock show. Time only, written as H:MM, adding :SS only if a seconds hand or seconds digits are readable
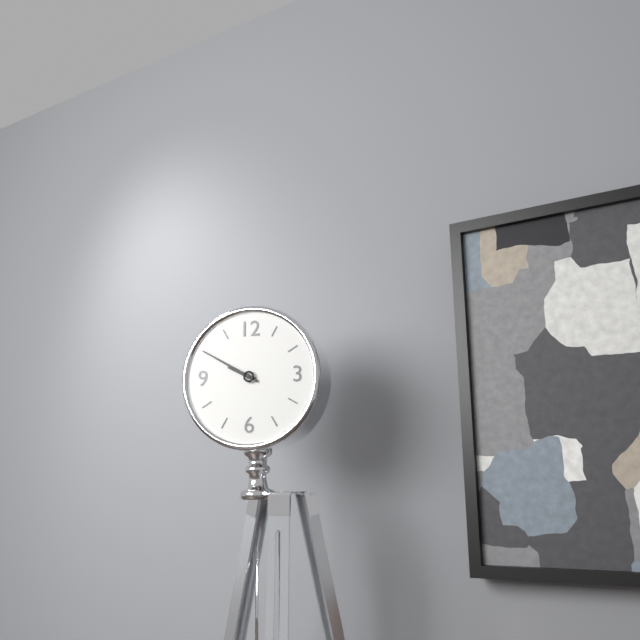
9:50
